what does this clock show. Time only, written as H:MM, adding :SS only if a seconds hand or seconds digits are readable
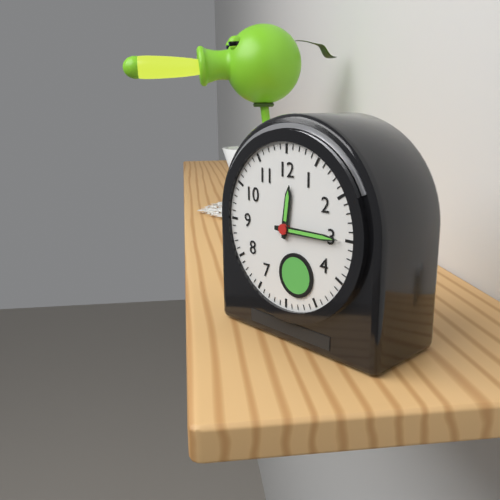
12:15
